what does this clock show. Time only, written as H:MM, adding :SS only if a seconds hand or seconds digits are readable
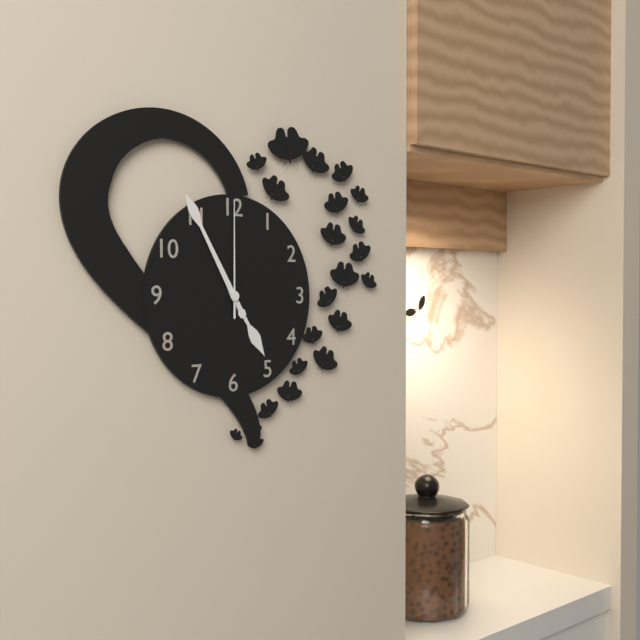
4:55:00
